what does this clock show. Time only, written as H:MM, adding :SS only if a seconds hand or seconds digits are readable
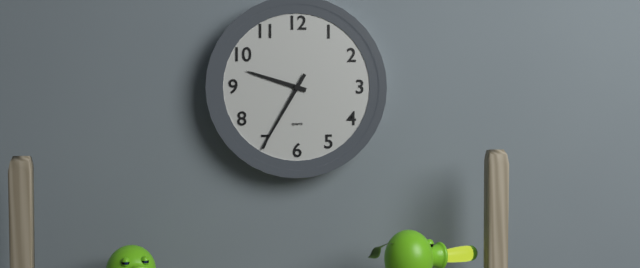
9:35
